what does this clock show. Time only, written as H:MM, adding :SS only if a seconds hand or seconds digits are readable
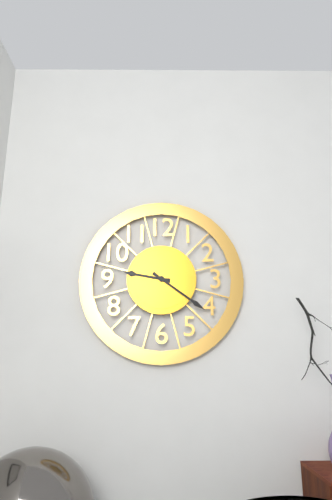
9:21
